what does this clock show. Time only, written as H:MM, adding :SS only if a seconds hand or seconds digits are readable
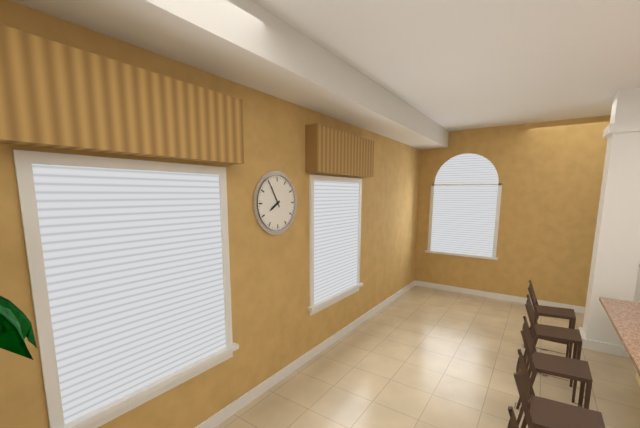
7:55
